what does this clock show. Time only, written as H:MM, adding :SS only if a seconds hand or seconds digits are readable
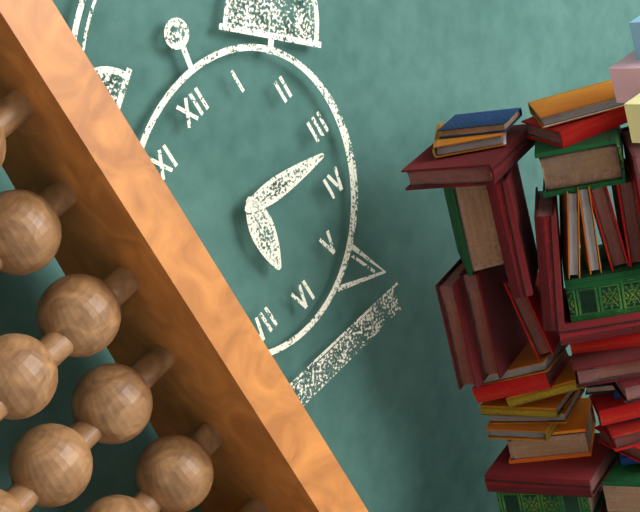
6:17
